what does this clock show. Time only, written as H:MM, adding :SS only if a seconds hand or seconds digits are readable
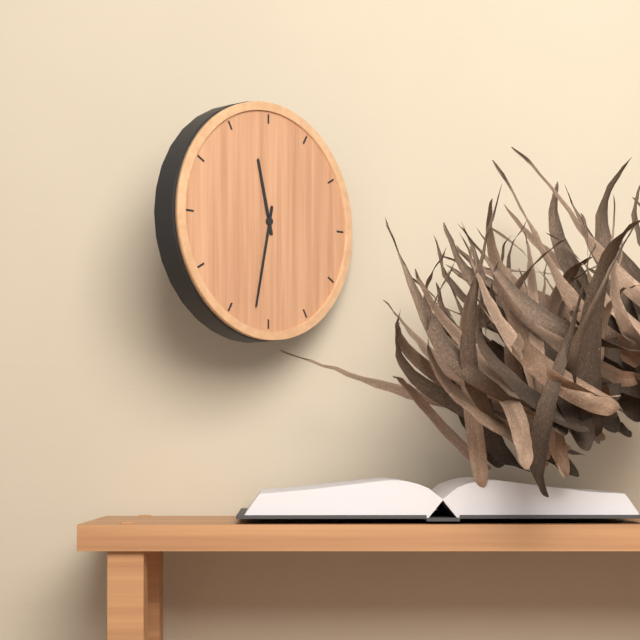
11:32
